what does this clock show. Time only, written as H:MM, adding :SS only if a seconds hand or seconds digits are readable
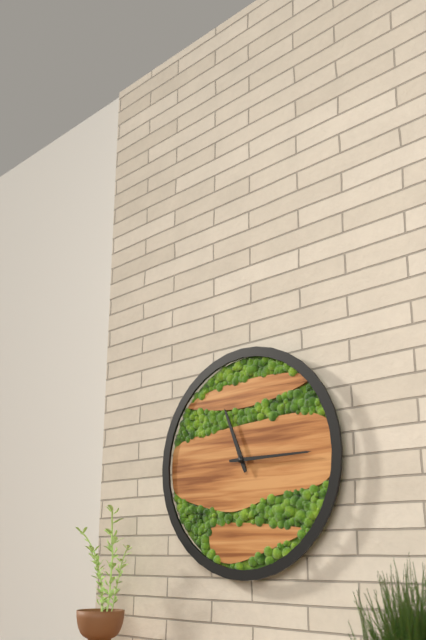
11:15
